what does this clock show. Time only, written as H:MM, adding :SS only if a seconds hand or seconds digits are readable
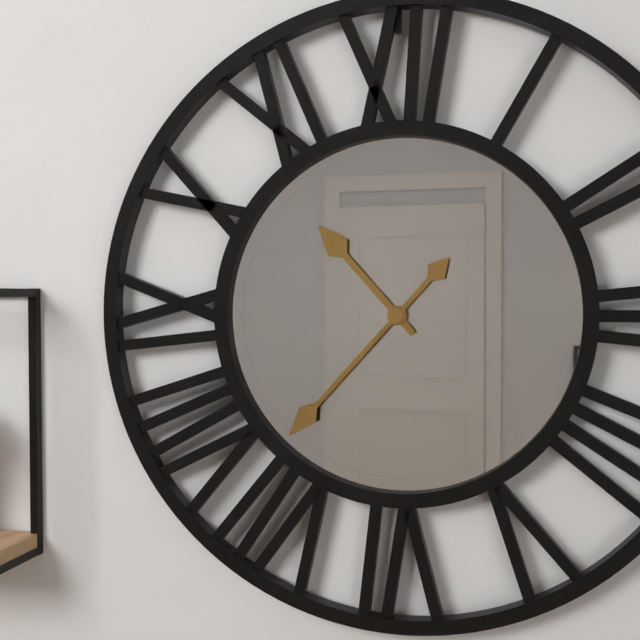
10:37
